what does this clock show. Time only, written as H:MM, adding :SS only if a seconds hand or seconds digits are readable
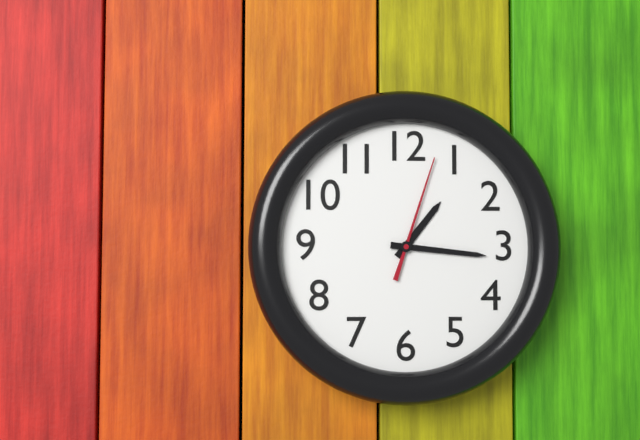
1:16:03
